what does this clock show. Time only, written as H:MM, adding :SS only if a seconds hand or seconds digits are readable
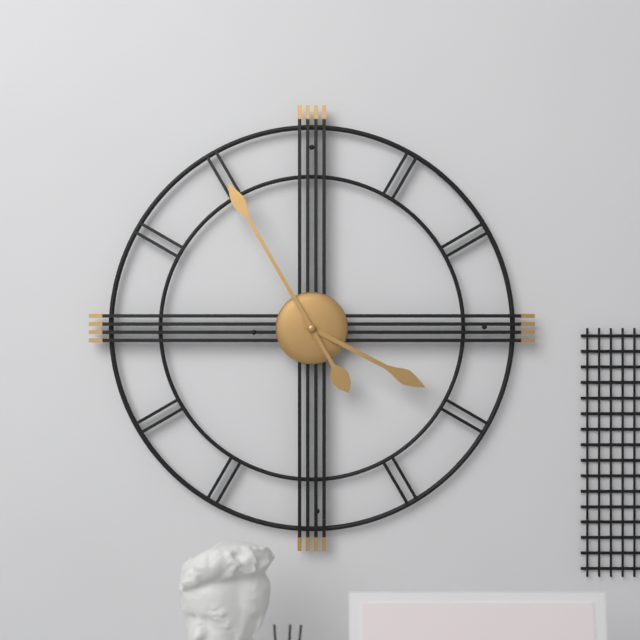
3:55
